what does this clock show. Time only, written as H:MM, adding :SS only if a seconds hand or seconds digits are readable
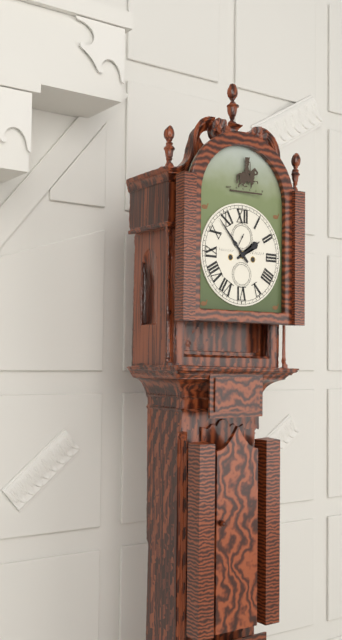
1:53
